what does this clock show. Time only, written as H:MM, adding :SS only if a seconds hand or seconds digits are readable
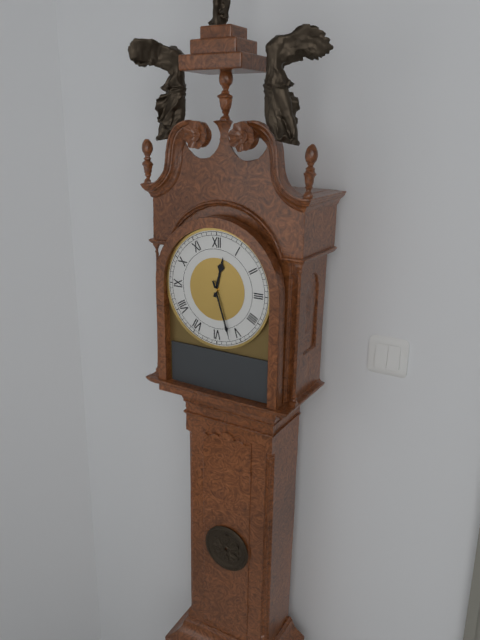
12:27
